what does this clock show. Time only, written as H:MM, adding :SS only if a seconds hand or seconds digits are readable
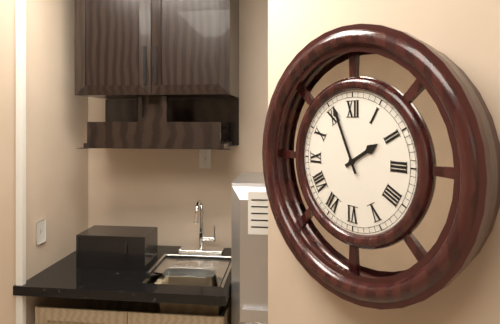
1:56
